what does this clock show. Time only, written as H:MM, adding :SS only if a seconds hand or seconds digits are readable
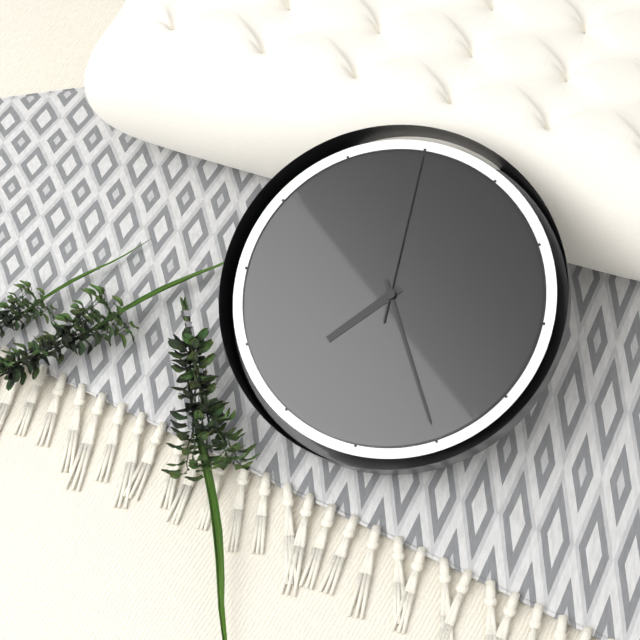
7:25:00
